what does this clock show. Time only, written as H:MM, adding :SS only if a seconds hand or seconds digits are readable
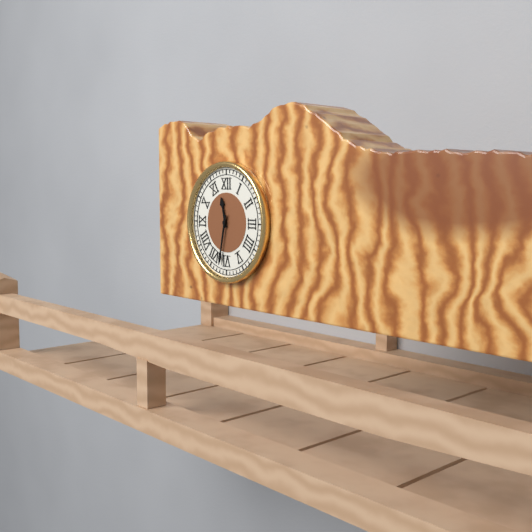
11:32
